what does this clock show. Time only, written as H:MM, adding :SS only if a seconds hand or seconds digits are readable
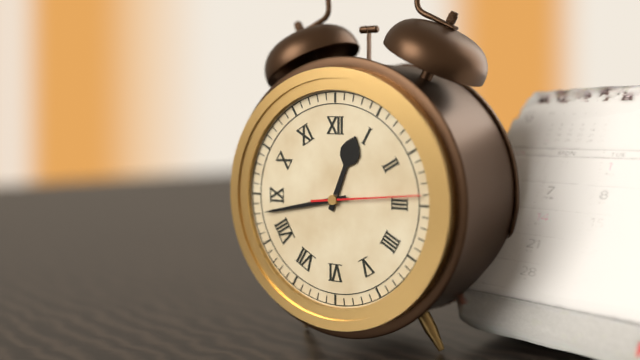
12:43:14
